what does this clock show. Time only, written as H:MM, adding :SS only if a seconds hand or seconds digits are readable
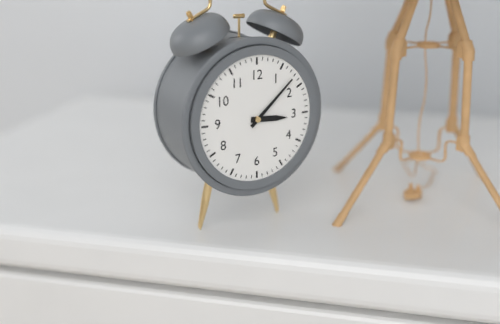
3:08
